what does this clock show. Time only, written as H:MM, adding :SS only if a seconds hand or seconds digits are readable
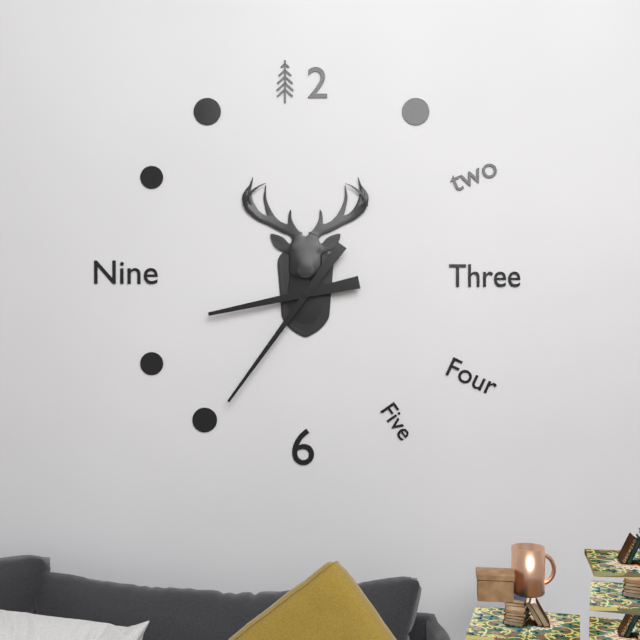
8:36
